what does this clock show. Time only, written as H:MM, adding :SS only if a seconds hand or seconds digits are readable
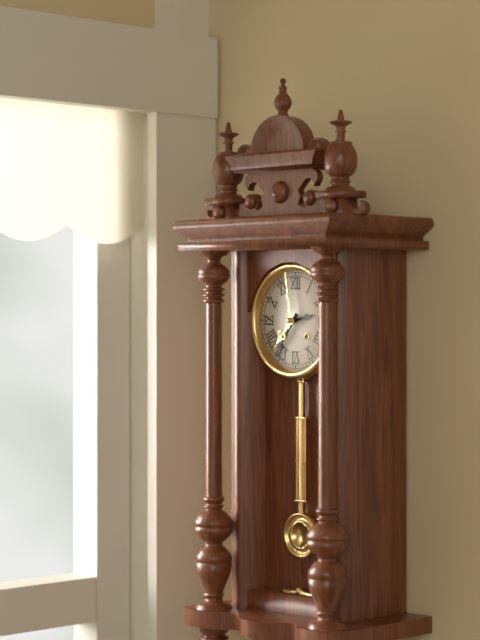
2:36
